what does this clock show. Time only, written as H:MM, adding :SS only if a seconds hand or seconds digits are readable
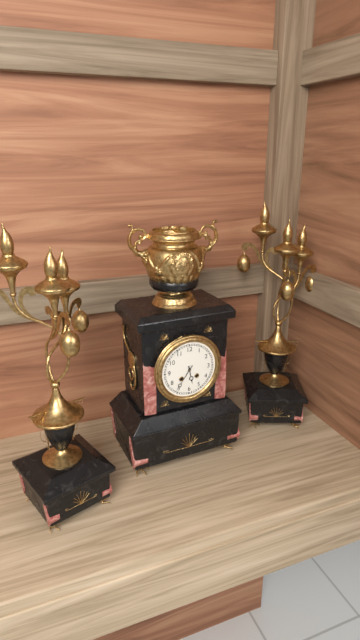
5:36
